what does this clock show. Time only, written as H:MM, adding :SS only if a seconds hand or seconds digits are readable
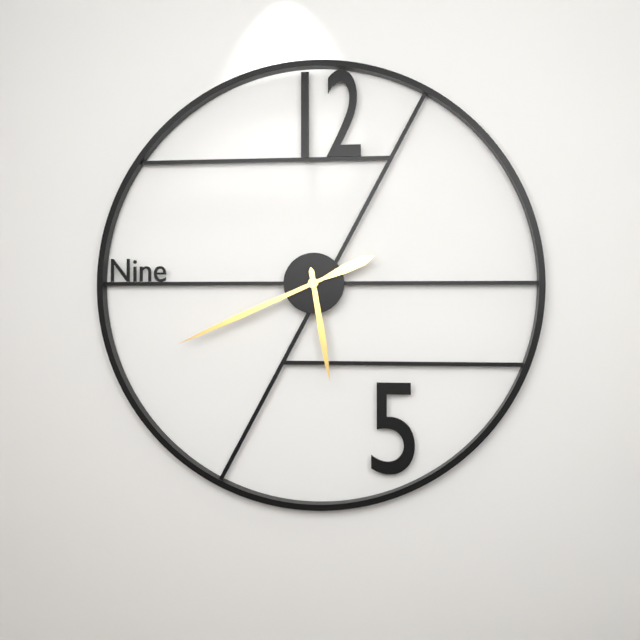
5:41
